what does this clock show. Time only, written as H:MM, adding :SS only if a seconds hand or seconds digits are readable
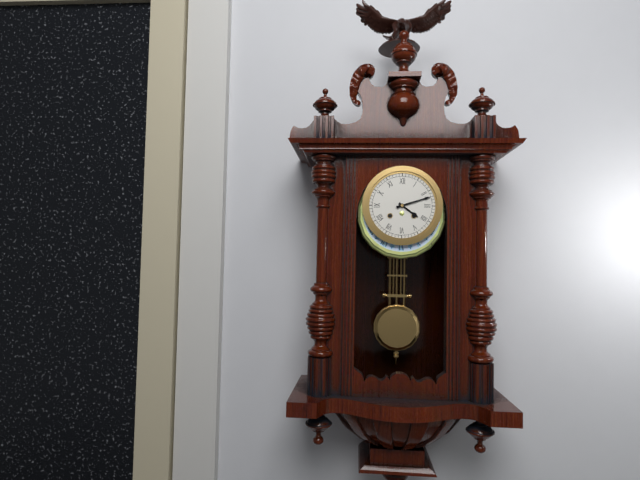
4:12
